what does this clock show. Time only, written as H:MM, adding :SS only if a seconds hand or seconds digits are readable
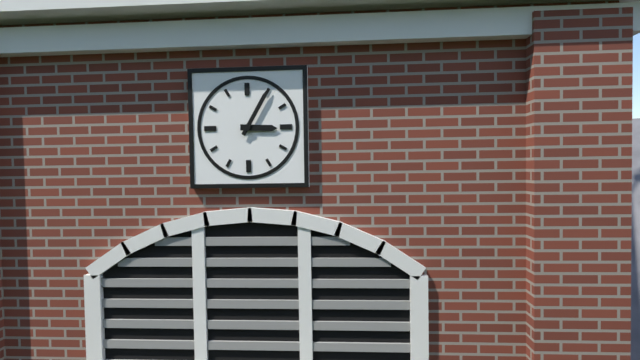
3:05
